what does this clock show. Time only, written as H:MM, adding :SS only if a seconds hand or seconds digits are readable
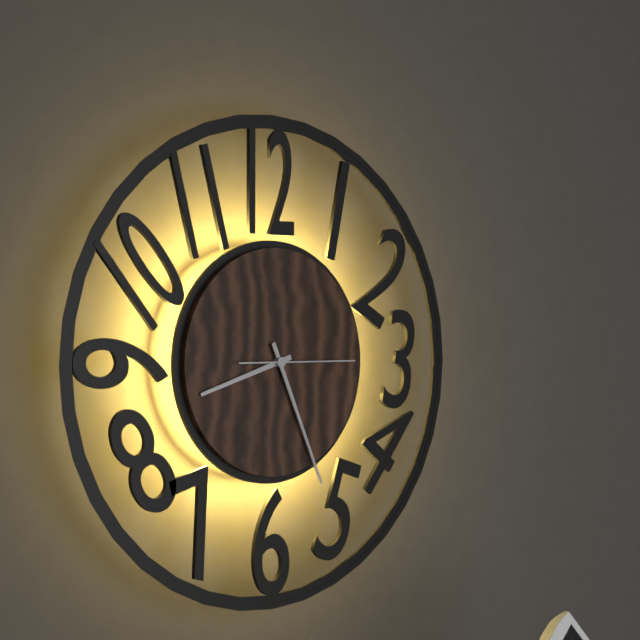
8:26:15
